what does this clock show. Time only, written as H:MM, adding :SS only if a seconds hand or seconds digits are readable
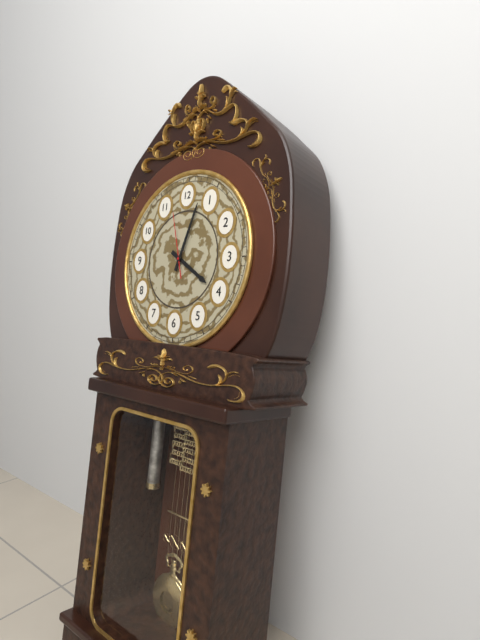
4:03:57
